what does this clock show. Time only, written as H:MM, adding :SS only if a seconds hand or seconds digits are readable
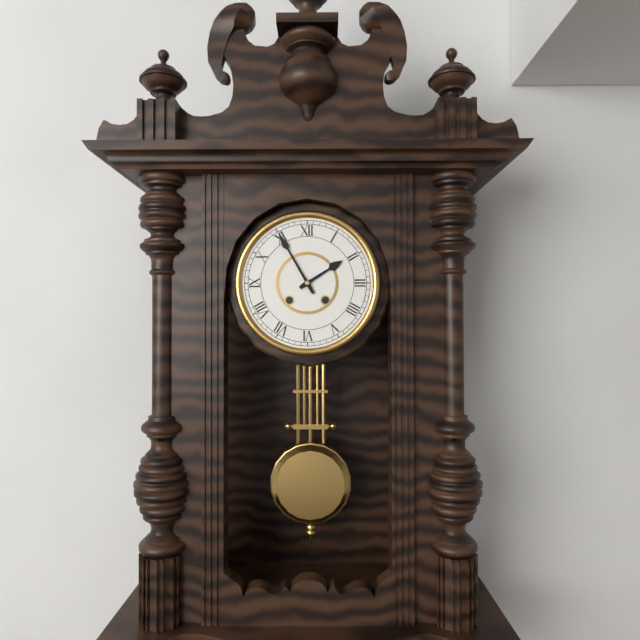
1:55
